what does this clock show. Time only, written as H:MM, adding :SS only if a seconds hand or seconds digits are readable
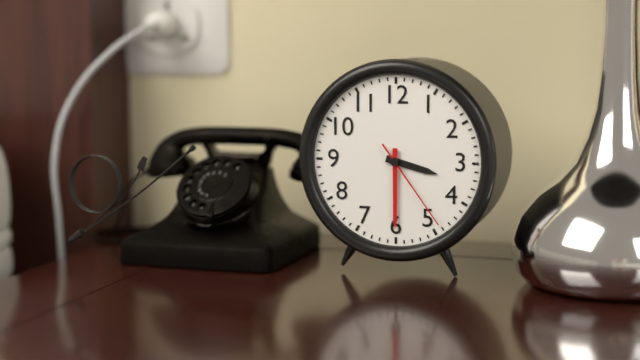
3:30:24
